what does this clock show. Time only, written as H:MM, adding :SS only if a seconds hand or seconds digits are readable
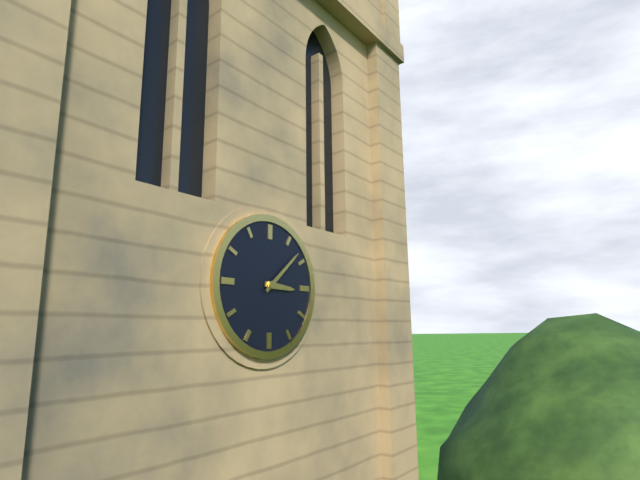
3:08
